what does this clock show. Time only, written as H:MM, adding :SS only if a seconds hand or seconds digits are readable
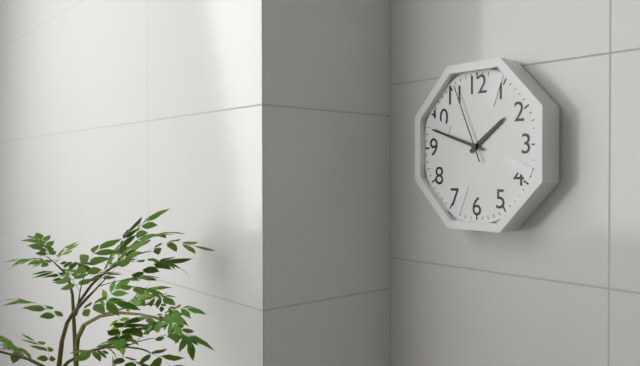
1:48:56
